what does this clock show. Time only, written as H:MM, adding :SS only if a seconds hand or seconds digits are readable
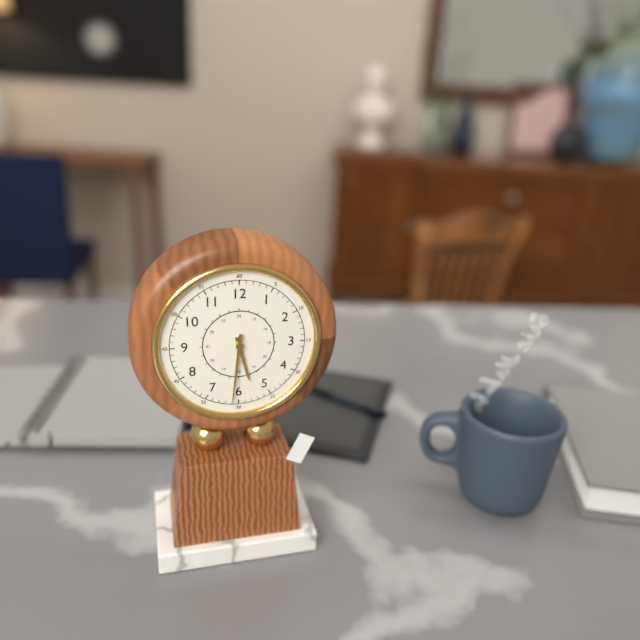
5:31
